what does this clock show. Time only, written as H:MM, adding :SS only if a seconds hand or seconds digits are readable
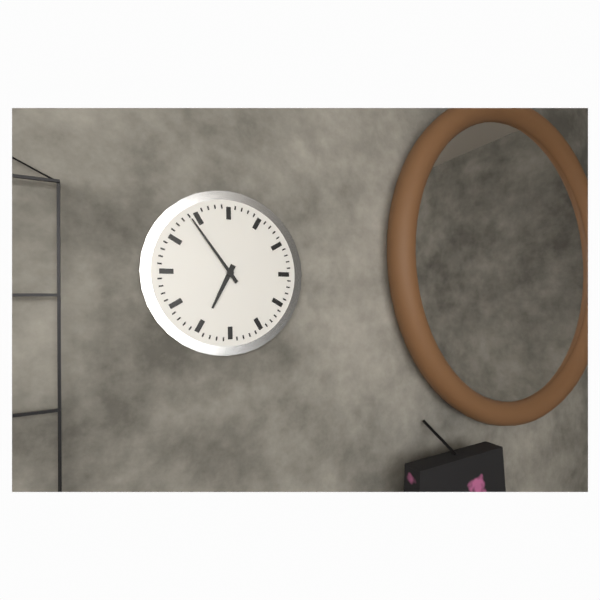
6:54
